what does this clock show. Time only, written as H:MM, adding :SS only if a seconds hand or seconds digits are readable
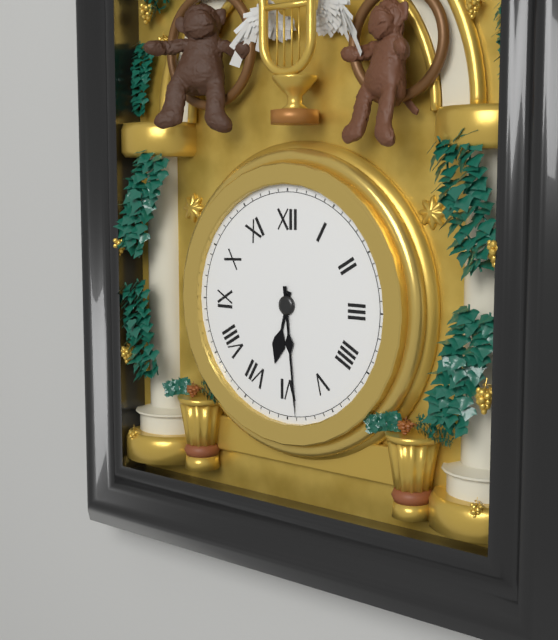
6:29
